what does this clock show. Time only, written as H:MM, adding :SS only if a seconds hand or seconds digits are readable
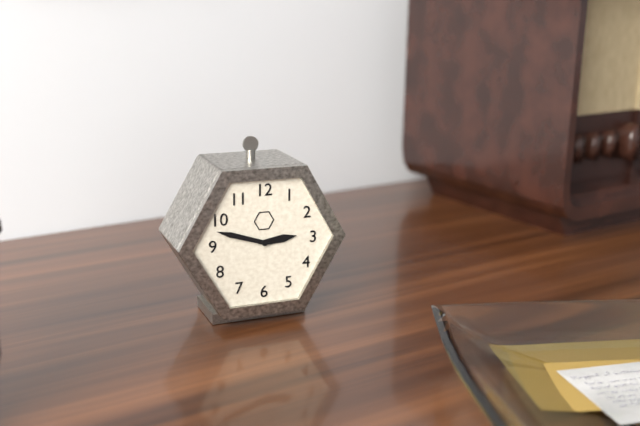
2:48
